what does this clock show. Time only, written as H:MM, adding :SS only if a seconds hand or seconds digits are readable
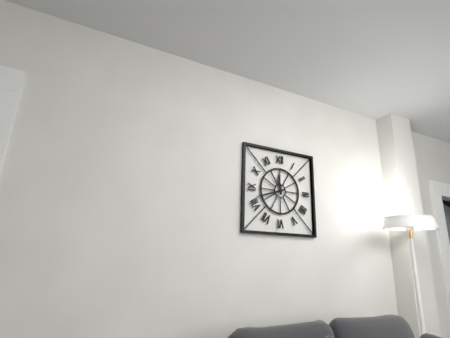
11:42
